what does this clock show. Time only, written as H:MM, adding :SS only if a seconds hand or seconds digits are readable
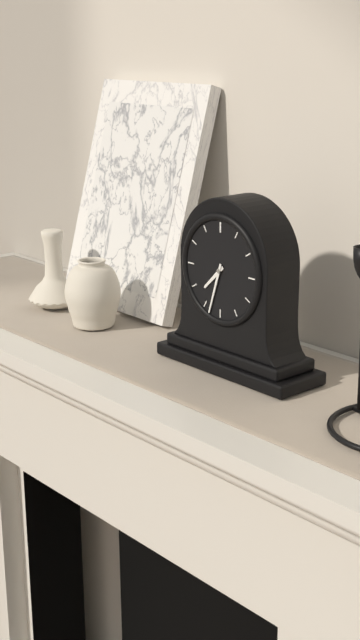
7:33
